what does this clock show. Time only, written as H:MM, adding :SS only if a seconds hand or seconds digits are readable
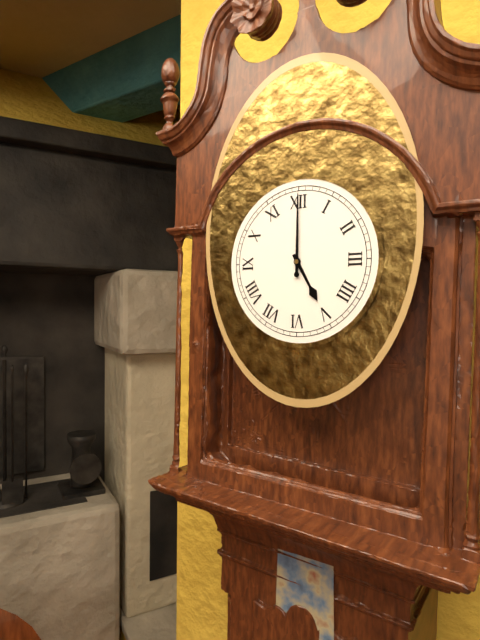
5:00
